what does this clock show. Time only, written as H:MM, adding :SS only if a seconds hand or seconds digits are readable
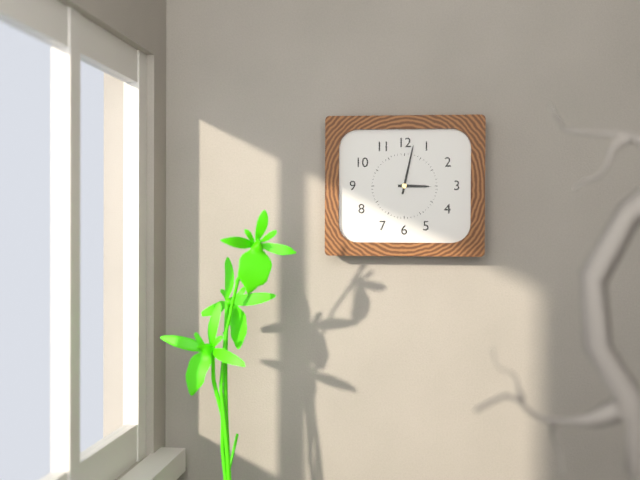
3:02
